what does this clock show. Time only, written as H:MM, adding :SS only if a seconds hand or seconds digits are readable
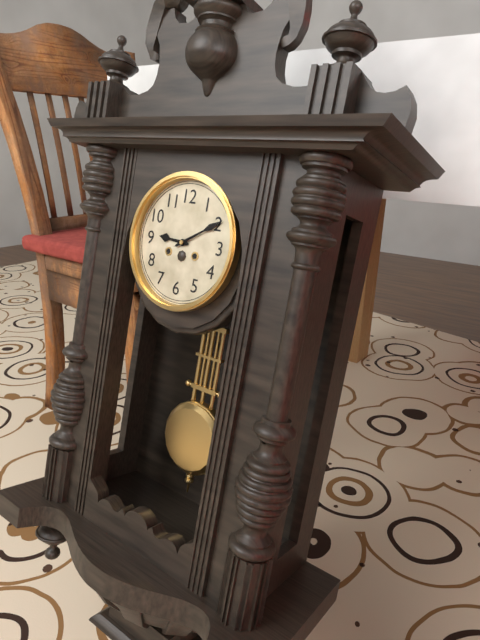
9:10
